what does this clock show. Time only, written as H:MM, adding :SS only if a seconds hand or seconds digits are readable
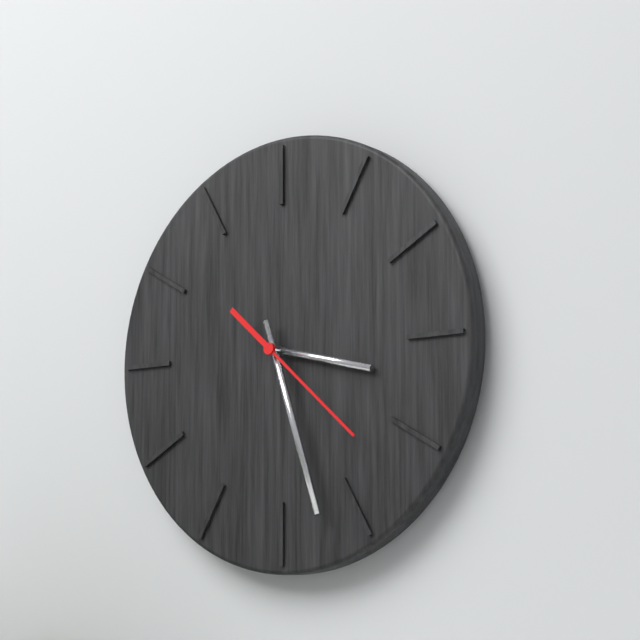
3:27:22
